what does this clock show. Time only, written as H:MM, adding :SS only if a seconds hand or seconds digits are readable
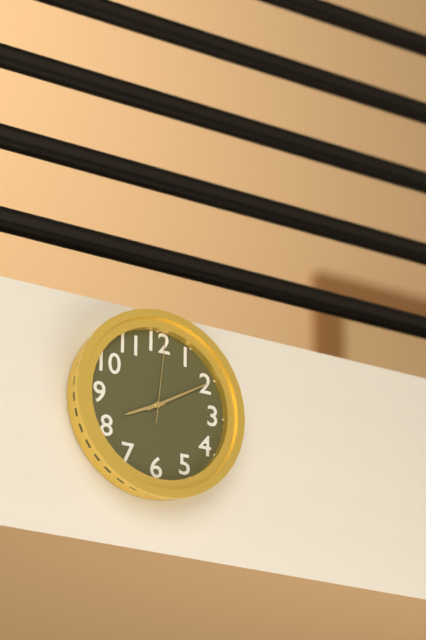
8:10:01
